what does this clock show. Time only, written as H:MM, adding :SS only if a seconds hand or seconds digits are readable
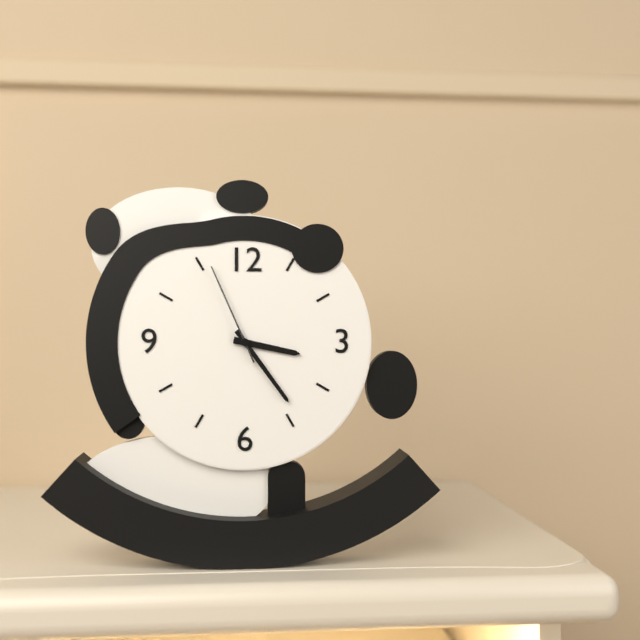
3:24:56
